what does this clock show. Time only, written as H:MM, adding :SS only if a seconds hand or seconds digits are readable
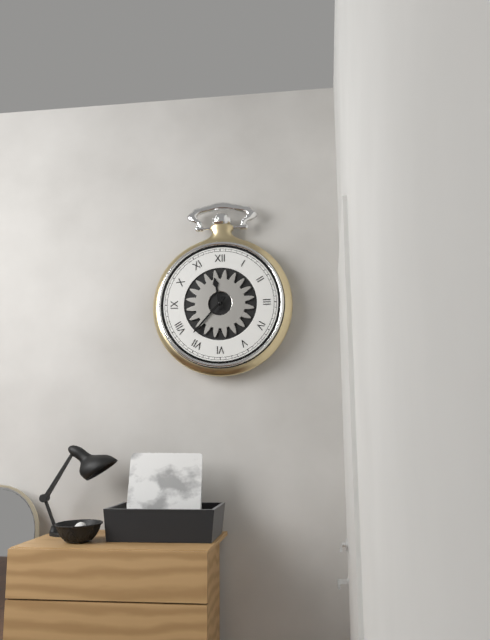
11:37
